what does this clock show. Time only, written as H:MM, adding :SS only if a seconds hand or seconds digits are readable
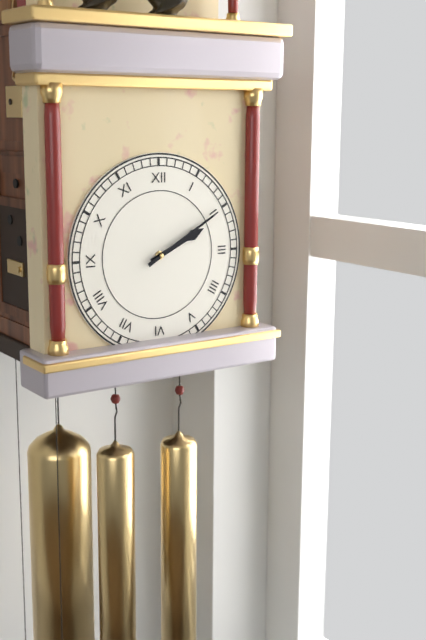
2:10
